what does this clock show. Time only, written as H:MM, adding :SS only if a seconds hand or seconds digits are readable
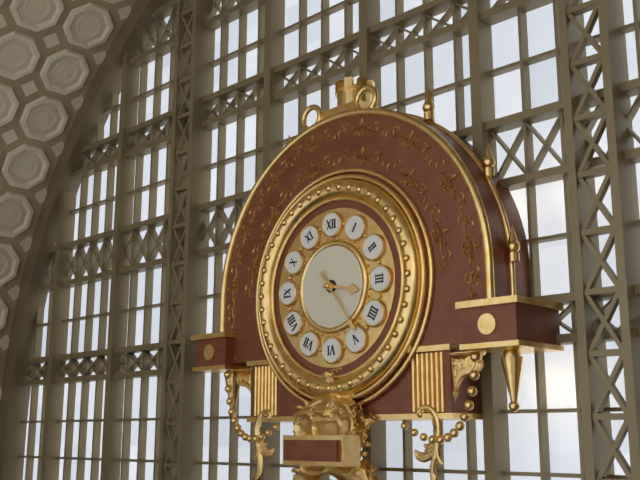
3:24
